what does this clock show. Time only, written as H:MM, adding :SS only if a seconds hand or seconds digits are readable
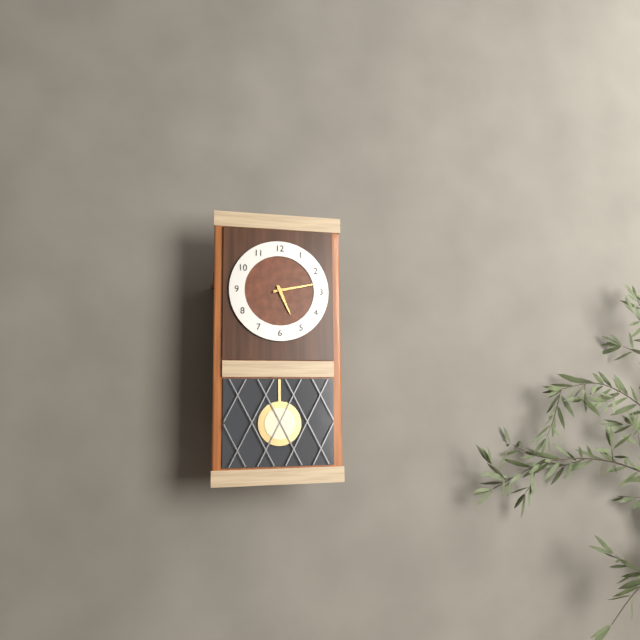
5:13
